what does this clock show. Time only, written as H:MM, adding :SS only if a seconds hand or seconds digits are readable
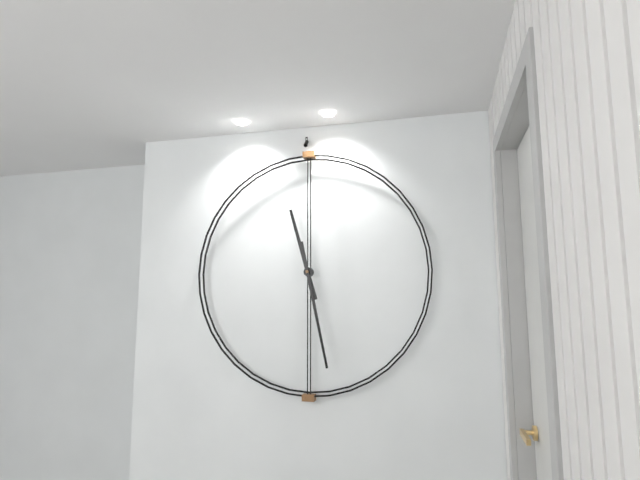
11:28
